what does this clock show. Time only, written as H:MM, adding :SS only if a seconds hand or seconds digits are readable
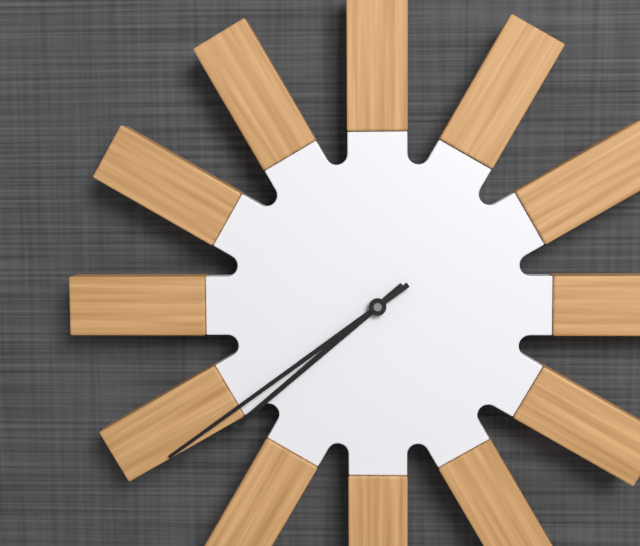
7:39
